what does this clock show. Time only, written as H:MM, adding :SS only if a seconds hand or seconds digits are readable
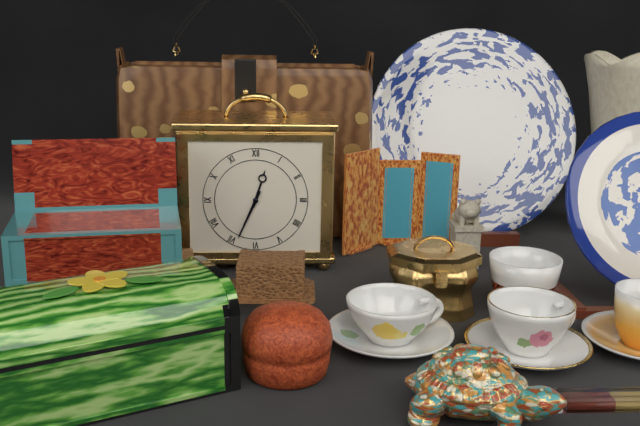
12:34
